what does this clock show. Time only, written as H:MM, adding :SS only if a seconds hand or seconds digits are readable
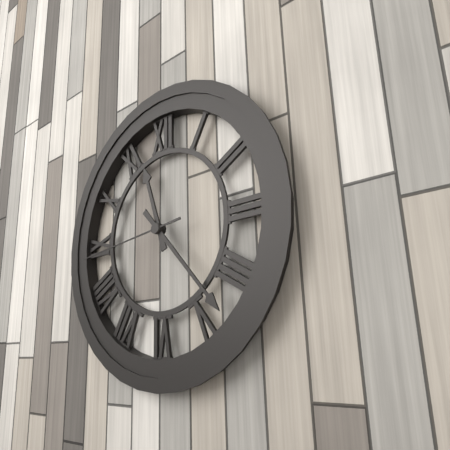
11:23:44
